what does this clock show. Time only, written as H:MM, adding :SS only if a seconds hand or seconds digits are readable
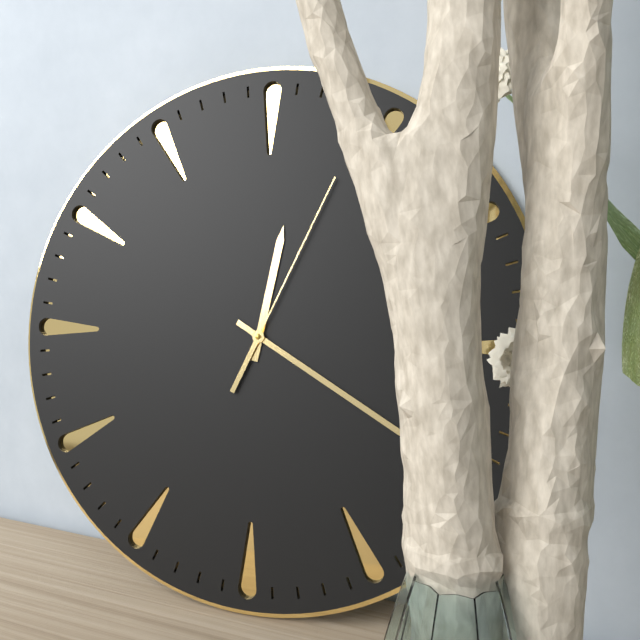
12:20:04
